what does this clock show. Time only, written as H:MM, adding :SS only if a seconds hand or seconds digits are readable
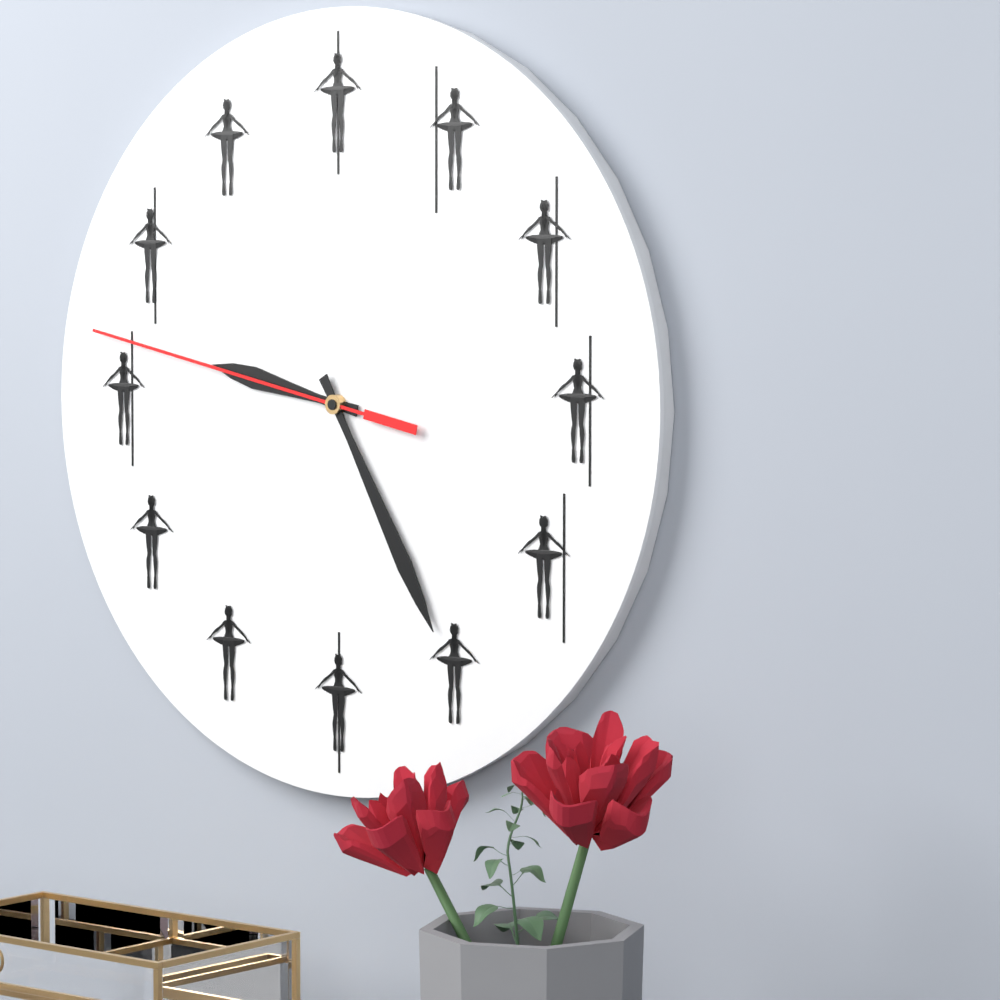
9:25:47
